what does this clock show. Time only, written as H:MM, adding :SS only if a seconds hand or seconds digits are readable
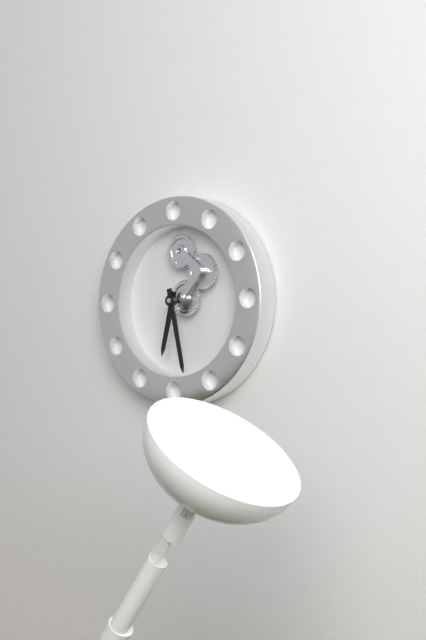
6:28
